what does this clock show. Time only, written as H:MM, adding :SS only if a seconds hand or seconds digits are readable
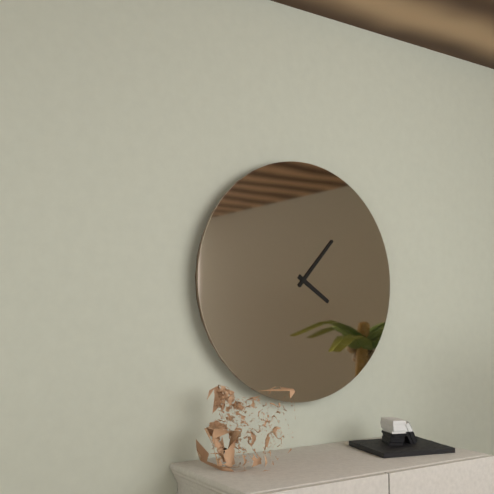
4:07
